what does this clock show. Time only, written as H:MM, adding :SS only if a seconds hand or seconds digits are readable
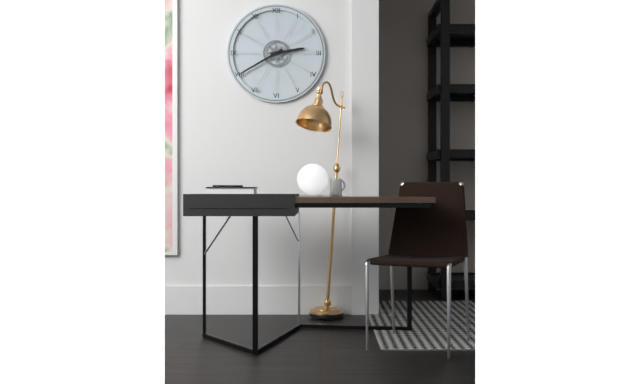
2:40
